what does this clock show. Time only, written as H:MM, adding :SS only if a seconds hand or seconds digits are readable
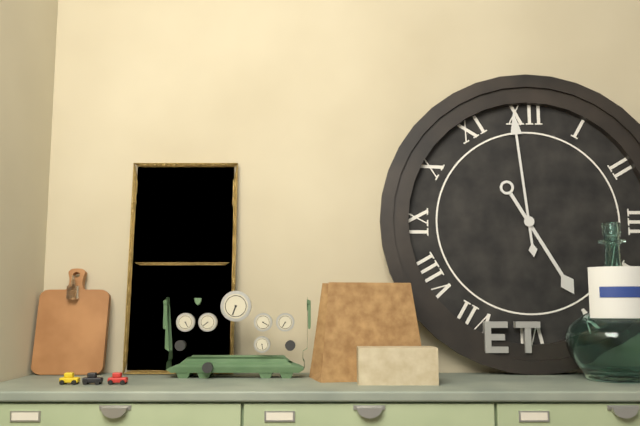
4:59
